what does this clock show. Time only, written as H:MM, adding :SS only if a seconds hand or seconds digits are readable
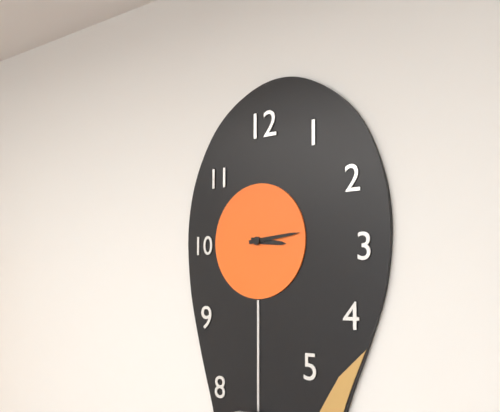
3:14
